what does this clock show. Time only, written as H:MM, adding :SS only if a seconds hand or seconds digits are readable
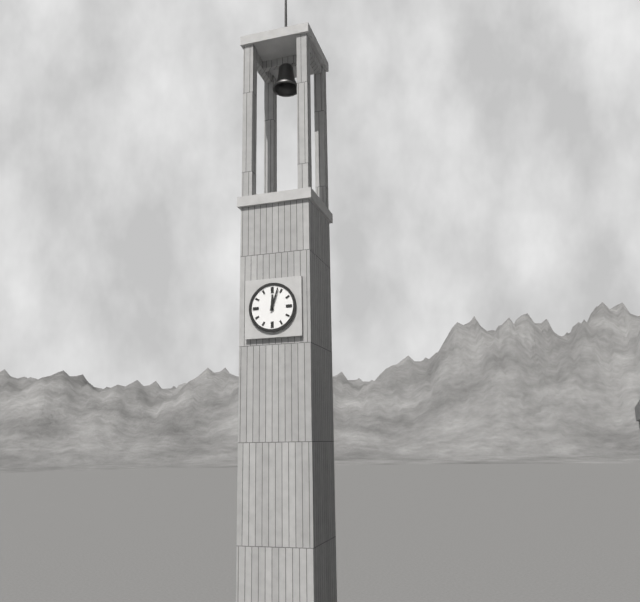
12:03
